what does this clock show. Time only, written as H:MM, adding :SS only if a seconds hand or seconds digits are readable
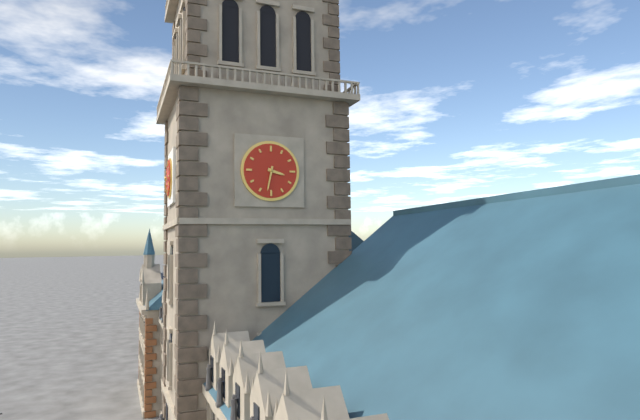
3:32
